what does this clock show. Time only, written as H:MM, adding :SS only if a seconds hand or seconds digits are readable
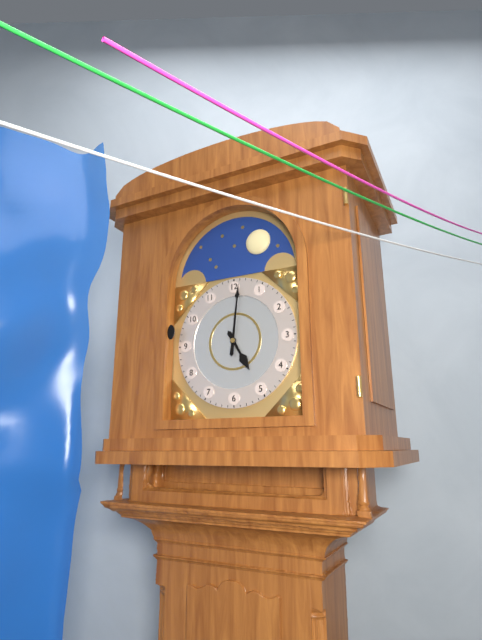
5:01
